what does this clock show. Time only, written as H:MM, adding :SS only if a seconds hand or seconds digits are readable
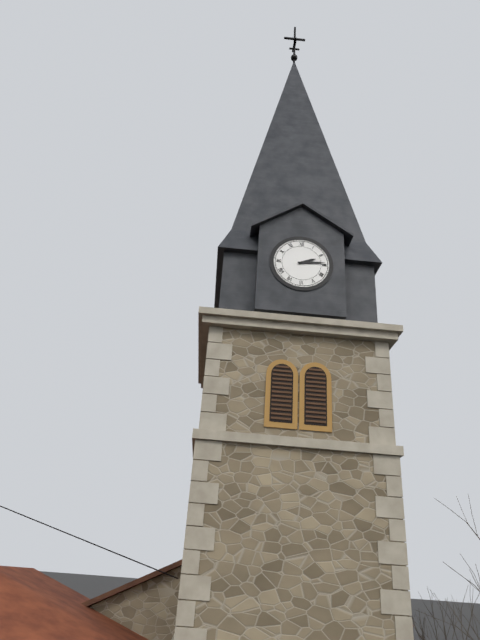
2:14
